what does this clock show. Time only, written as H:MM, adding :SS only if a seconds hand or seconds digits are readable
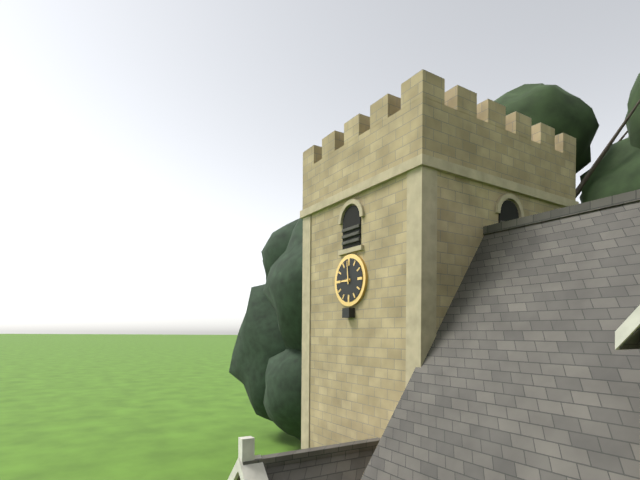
8:59
